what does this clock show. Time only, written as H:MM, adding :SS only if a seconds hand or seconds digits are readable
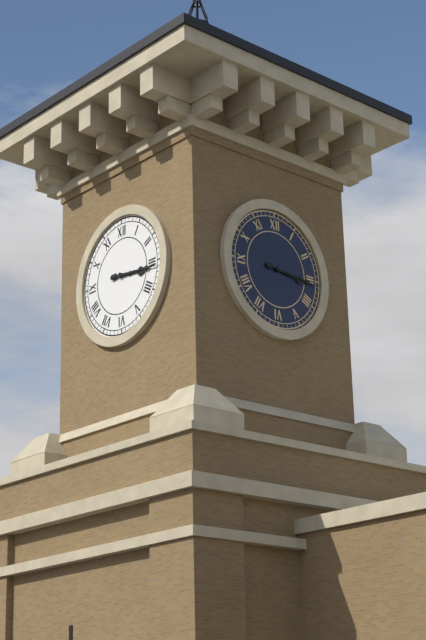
3:16
